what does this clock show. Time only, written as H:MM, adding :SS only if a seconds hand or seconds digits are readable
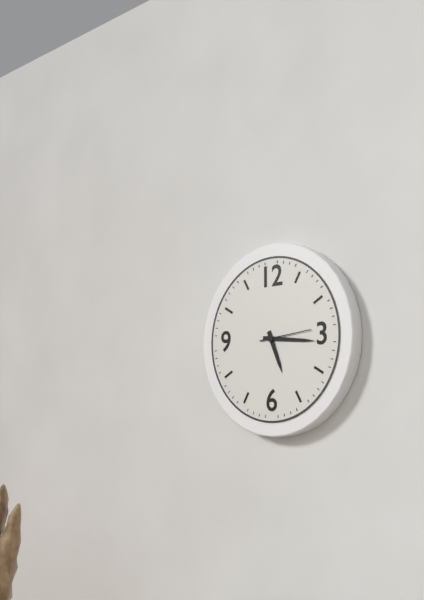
5:16:14
